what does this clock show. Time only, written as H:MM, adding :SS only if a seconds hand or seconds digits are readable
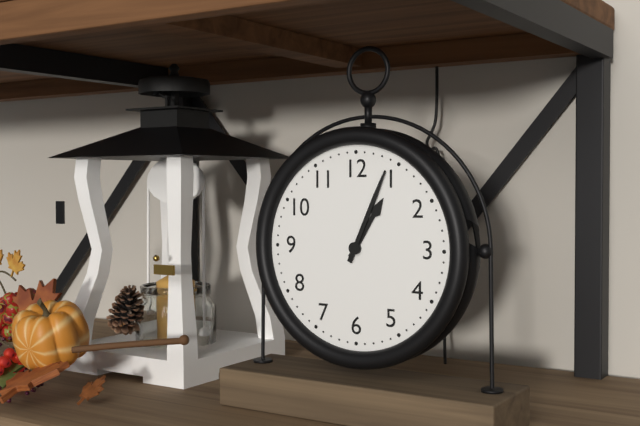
1:04
